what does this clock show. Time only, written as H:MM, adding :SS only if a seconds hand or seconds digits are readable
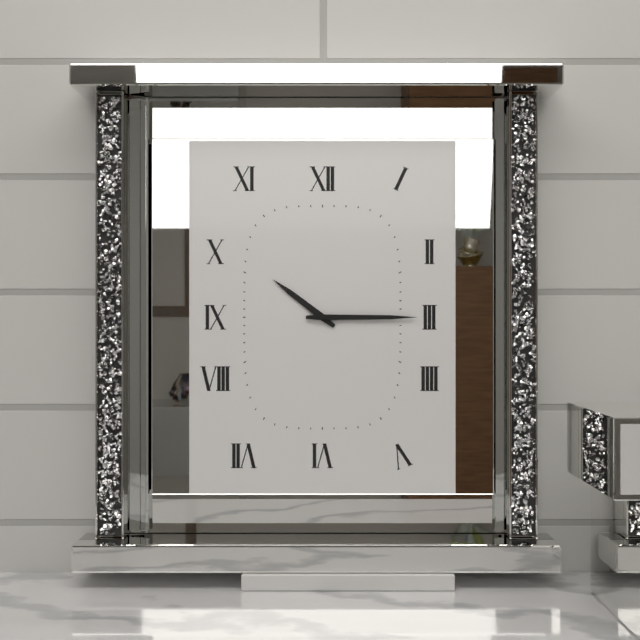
10:15
